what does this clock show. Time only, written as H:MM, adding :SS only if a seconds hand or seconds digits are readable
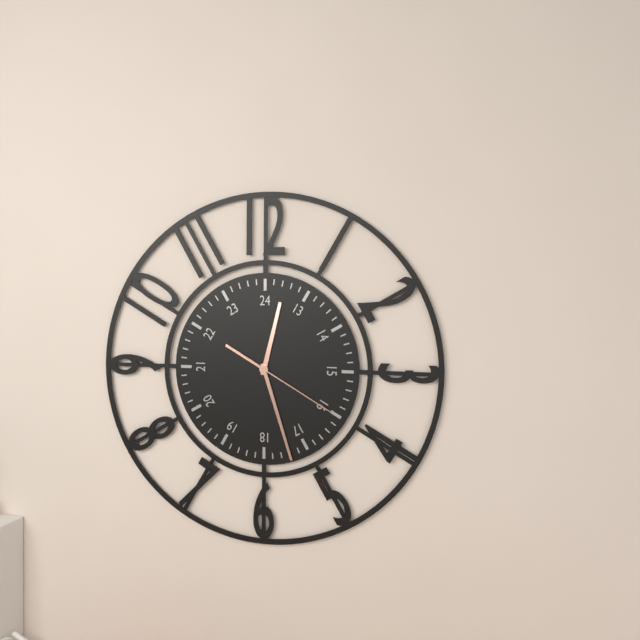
12:27:20
